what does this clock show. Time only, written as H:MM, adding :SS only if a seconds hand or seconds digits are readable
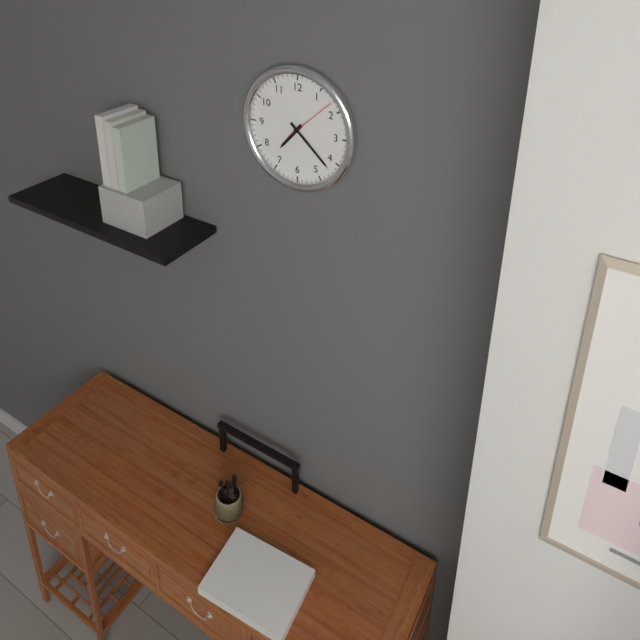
7:22:08
